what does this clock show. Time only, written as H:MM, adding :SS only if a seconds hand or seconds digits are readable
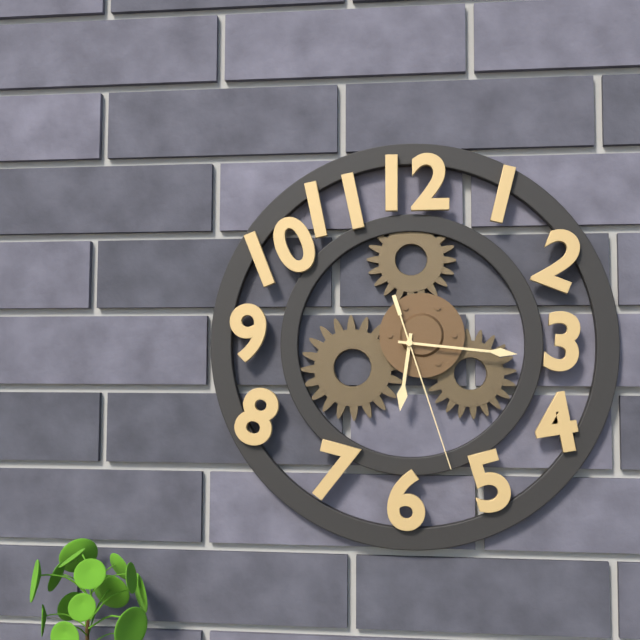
6:16:27
